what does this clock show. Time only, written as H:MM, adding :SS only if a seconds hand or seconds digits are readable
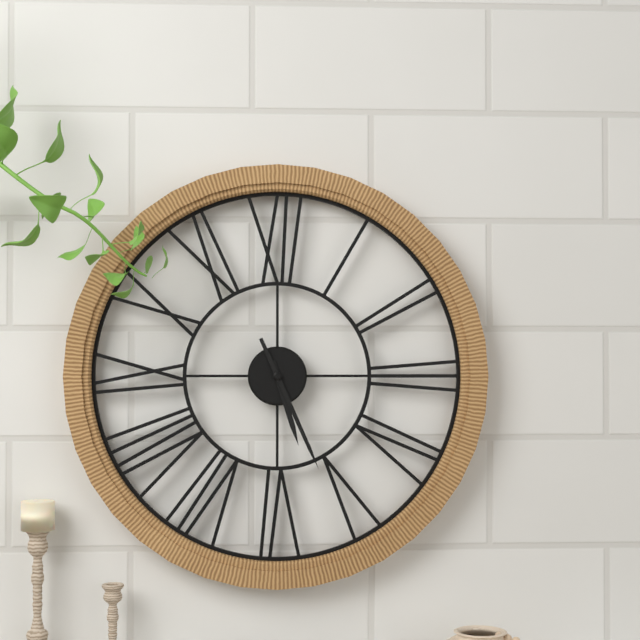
5:26
